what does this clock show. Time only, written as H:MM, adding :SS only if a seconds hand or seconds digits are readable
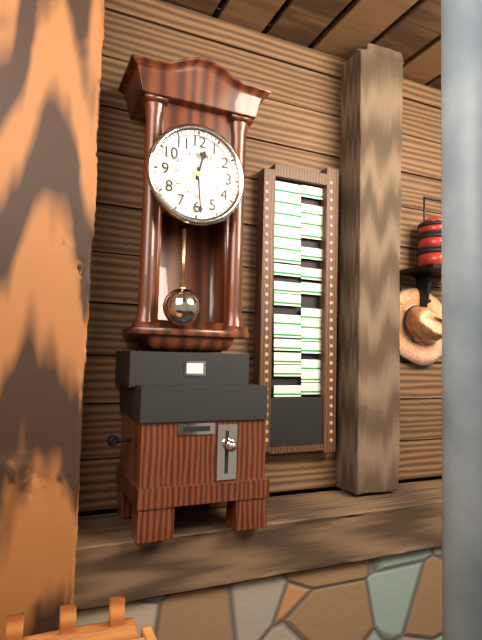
12:29
